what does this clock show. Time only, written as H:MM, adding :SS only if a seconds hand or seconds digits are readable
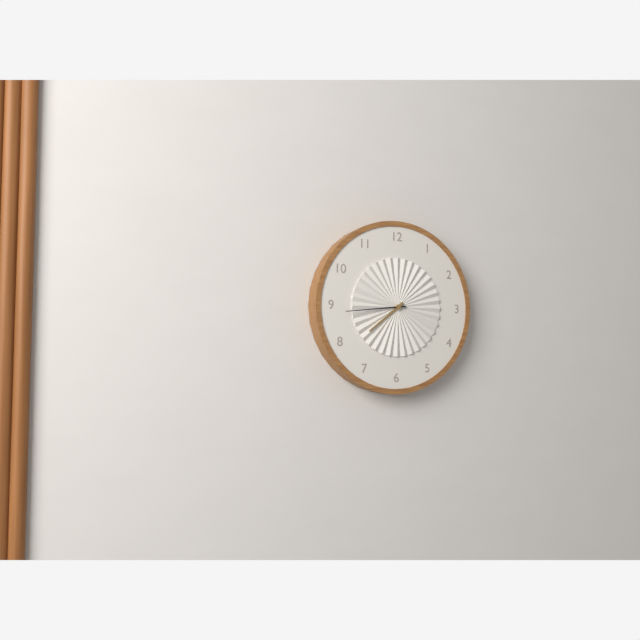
7:44
